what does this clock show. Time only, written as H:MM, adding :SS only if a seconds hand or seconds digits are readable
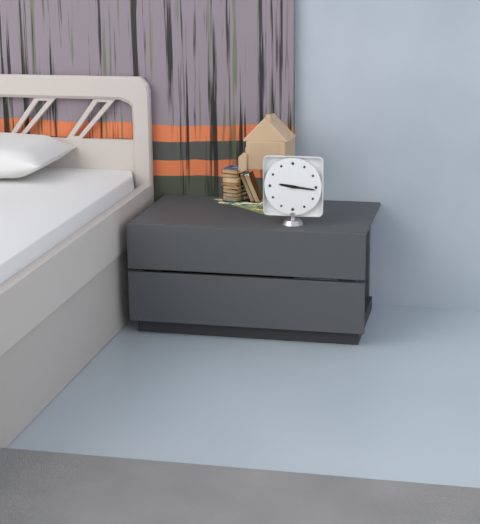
9:16
